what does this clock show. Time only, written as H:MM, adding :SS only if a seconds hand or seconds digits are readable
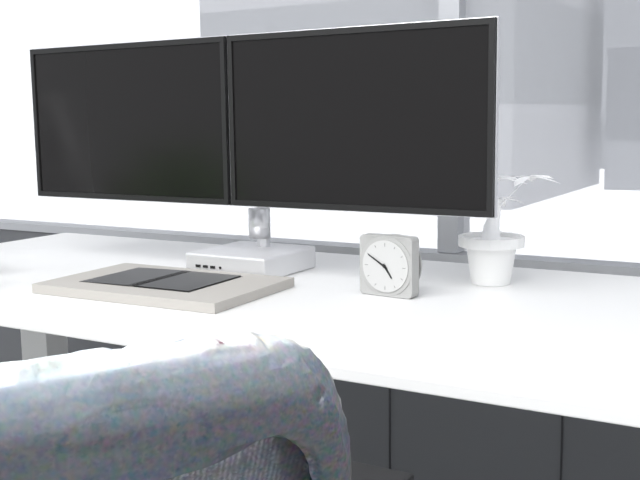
4:50
